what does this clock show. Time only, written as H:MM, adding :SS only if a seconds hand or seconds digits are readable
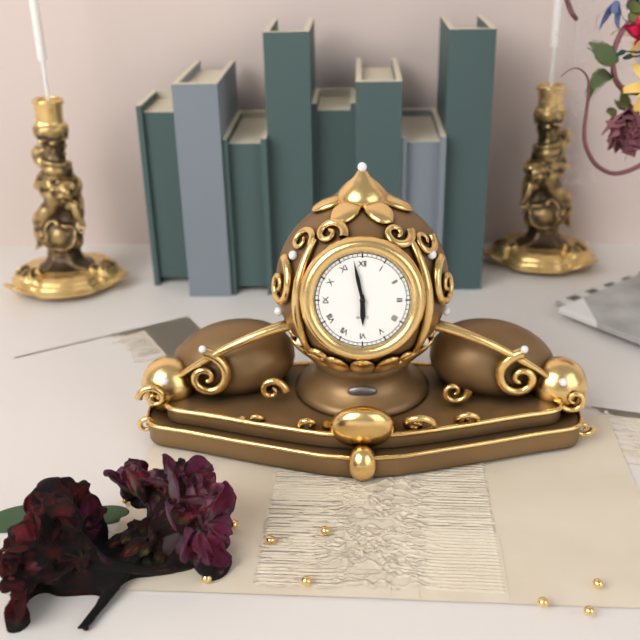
5:58
